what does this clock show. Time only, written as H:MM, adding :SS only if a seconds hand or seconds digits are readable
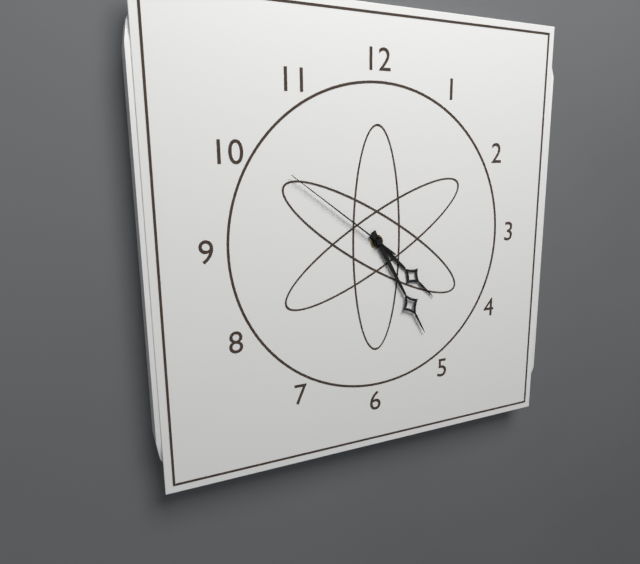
4:25:51
